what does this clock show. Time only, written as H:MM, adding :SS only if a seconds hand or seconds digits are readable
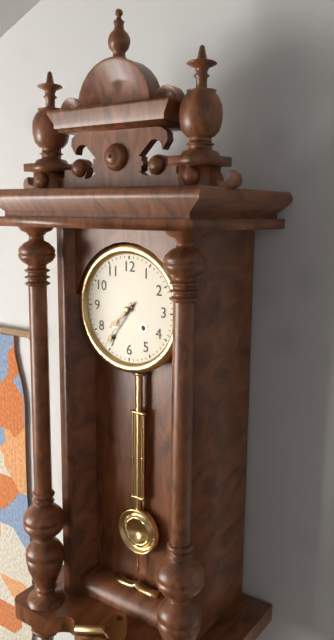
7:36
